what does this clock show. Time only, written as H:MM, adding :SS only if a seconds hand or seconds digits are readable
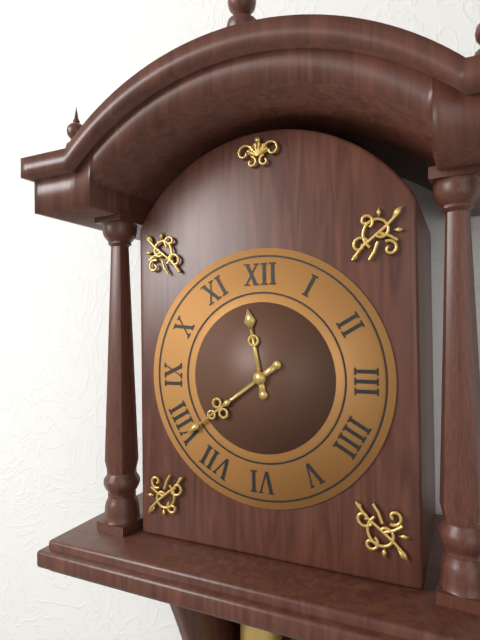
11:39
